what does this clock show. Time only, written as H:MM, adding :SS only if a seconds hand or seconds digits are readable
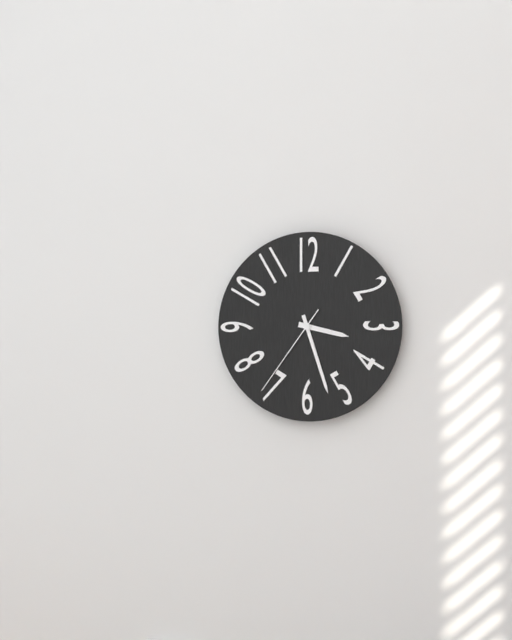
3:27:36
